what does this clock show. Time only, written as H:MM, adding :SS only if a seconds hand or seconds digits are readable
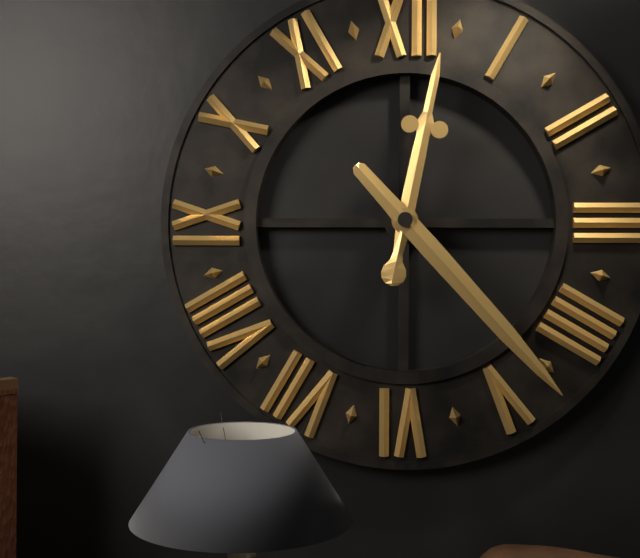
12:23
